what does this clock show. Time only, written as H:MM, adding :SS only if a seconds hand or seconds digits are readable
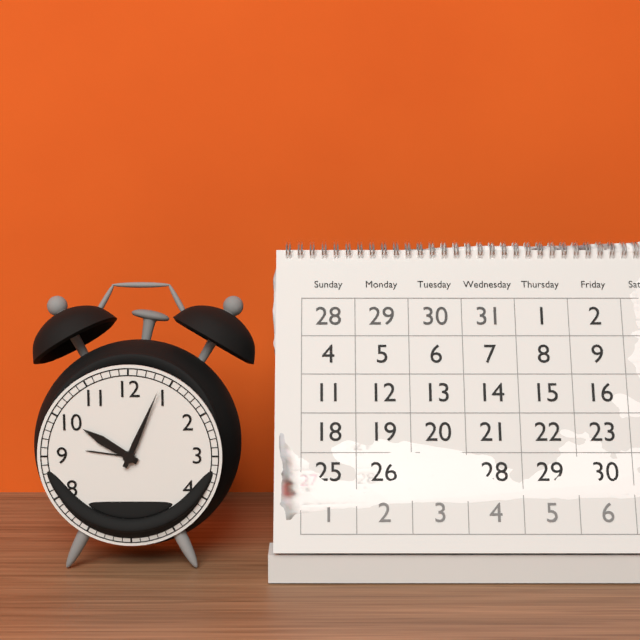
10:04
